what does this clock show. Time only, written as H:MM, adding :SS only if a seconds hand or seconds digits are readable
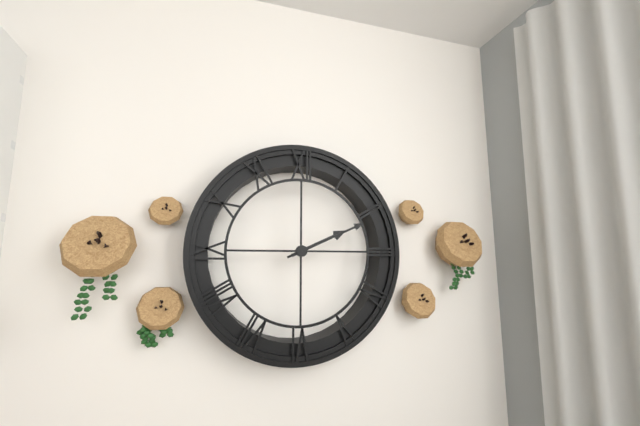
2:11
